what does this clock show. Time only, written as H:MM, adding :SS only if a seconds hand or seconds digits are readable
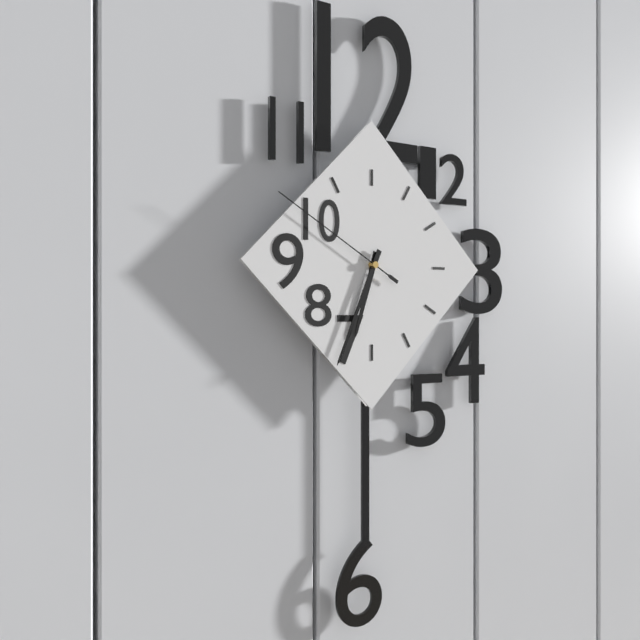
6:34:50
